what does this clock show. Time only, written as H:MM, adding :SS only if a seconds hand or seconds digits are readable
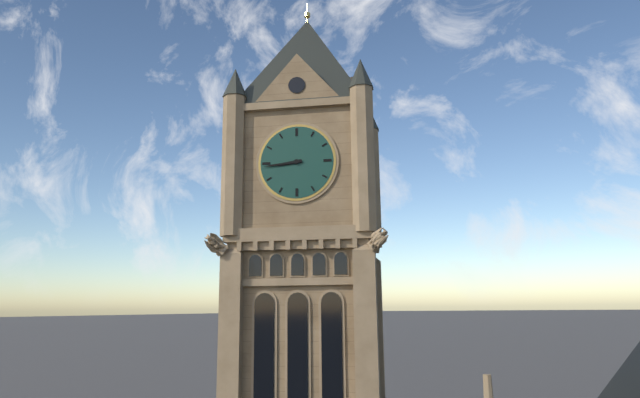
8:44
